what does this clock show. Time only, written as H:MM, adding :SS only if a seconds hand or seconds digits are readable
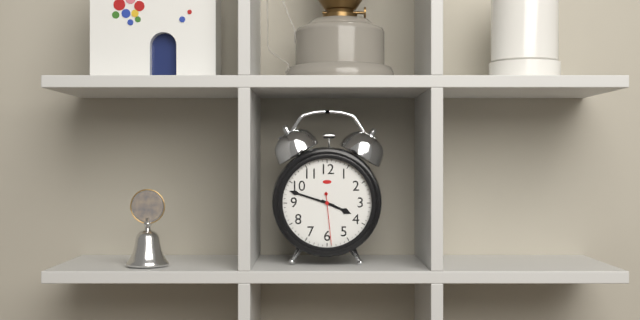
3:48:29
